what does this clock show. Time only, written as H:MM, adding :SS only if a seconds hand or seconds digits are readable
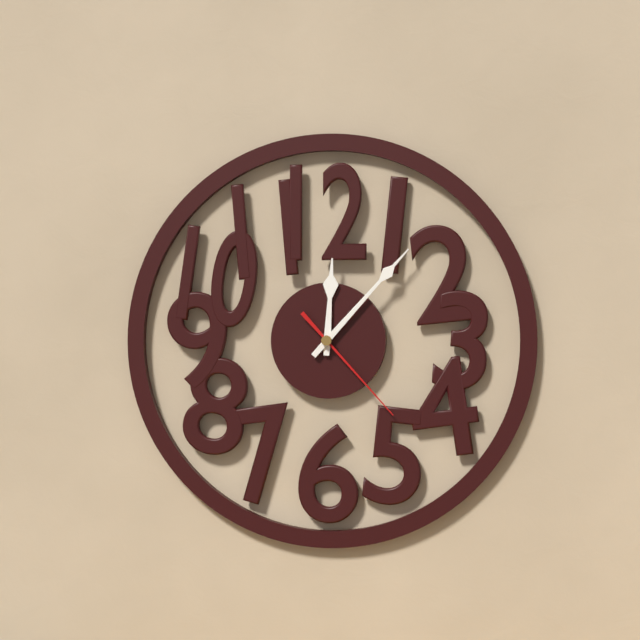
12:07:23
